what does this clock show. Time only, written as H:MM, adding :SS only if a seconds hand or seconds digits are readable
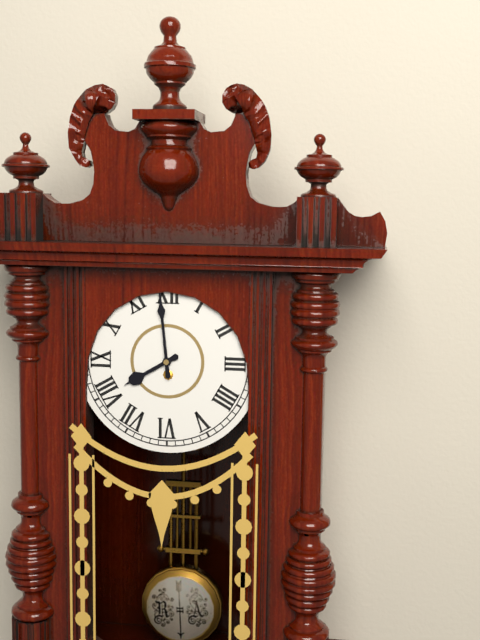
7:59
